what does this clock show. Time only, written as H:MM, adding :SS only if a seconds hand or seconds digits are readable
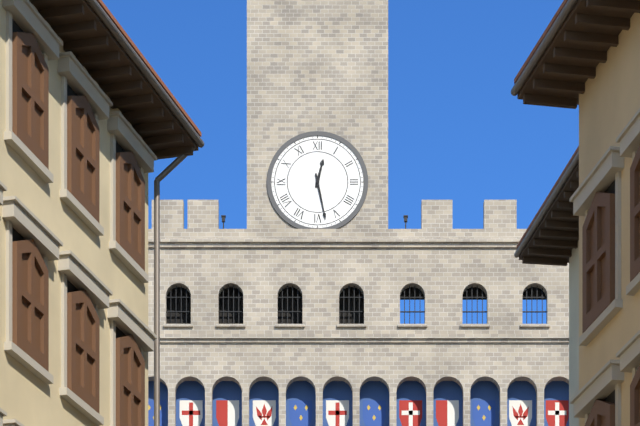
12:28
